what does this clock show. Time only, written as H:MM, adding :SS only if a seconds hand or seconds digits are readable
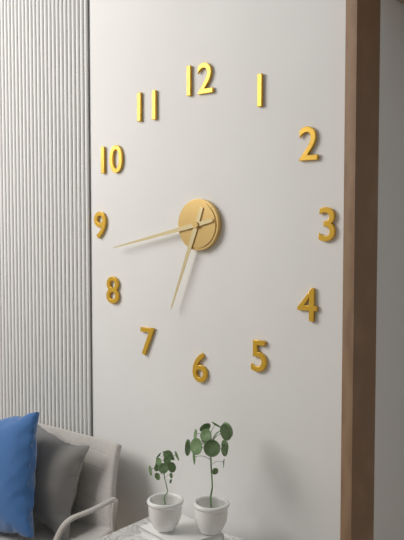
6:43
